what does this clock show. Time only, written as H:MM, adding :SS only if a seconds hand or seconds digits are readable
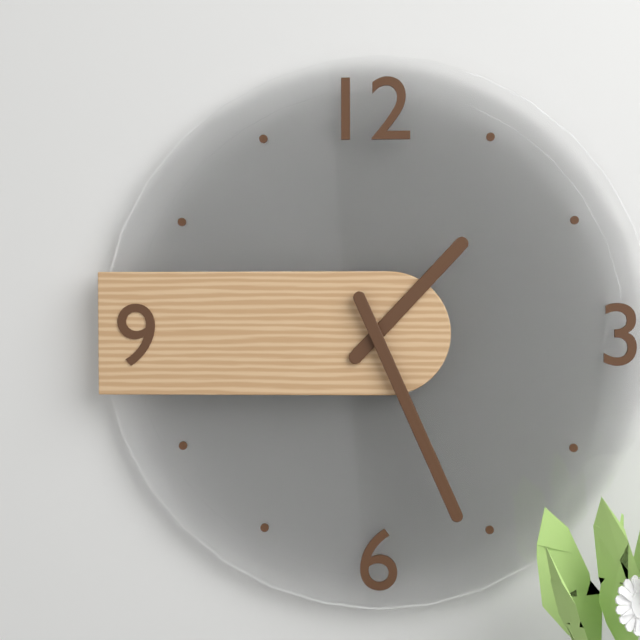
1:26
